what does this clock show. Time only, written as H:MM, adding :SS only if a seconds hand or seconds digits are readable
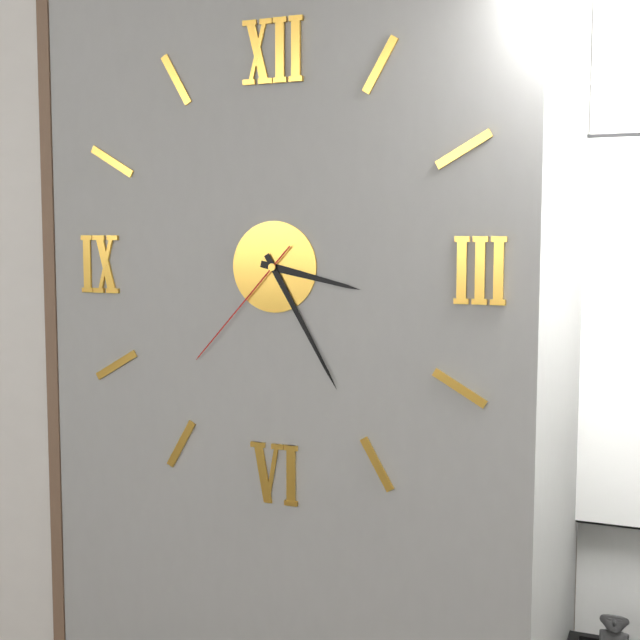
3:25:37
